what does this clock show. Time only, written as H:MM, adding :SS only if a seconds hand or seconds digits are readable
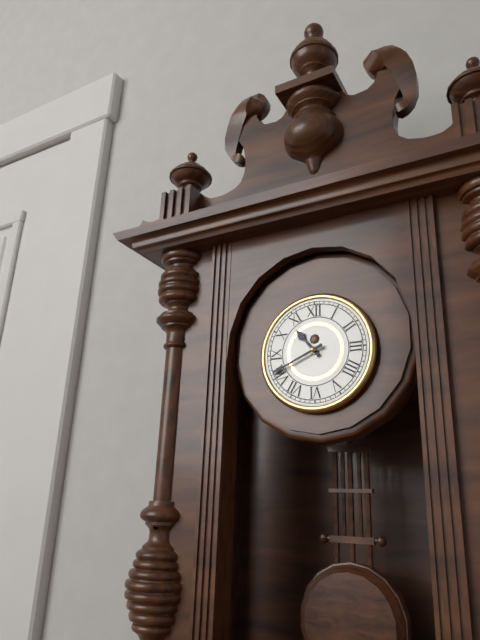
10:41
